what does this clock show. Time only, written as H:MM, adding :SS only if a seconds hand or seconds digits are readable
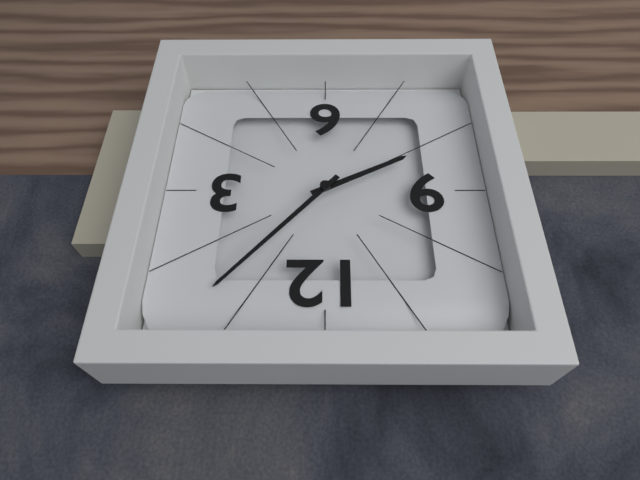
8:07
